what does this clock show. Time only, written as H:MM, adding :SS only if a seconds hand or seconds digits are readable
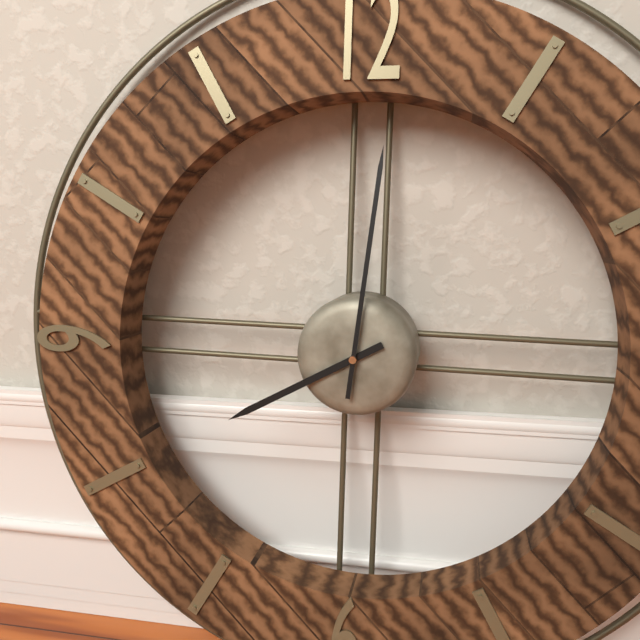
8:01
